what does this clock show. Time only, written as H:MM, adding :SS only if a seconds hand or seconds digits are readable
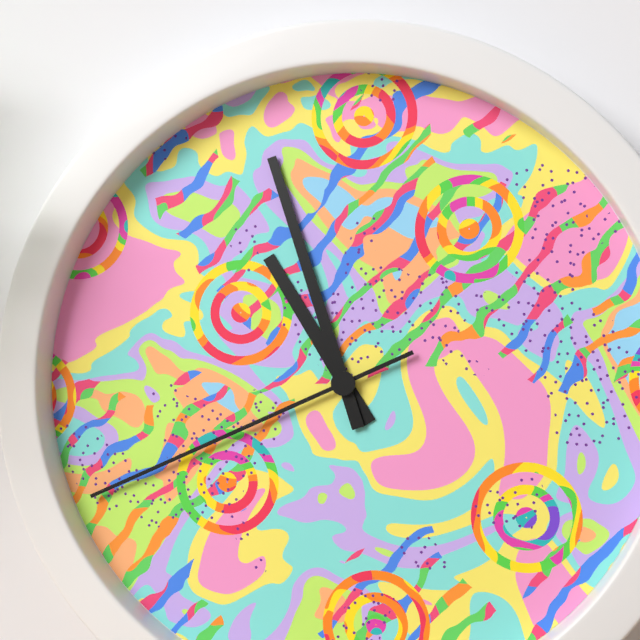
10:57:41
